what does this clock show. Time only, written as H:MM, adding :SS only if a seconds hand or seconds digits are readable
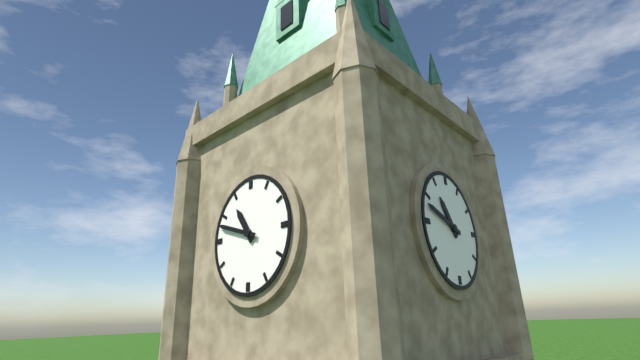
10:48
